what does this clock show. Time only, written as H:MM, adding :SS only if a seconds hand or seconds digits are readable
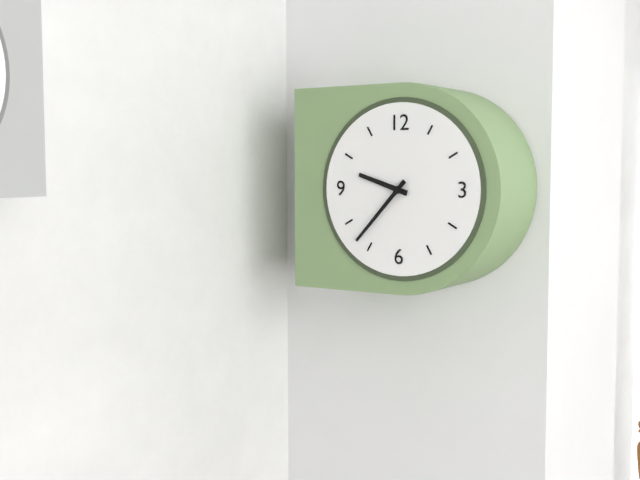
9:37
